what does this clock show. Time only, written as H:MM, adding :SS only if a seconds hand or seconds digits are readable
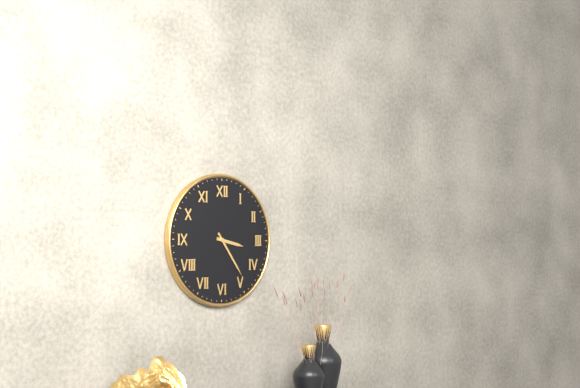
3:24
